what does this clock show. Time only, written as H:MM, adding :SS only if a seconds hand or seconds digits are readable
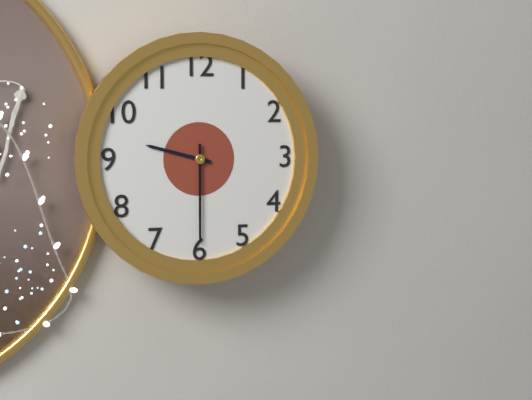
9:30
